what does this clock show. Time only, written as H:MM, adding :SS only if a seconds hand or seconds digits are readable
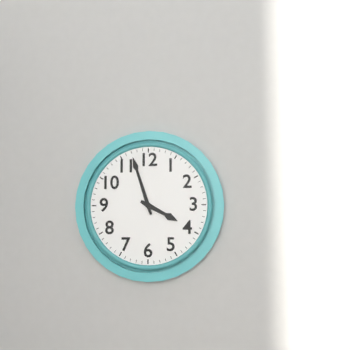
3:57
